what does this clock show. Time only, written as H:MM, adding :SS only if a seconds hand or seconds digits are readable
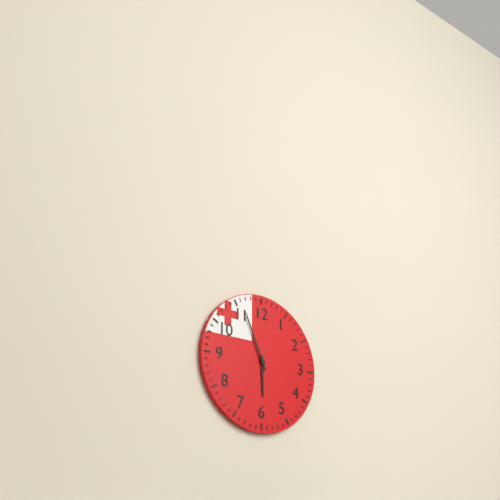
5:56
